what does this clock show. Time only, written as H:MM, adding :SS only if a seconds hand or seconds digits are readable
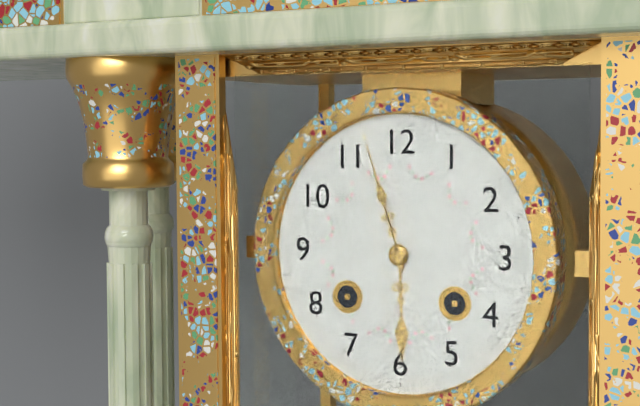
5:57
